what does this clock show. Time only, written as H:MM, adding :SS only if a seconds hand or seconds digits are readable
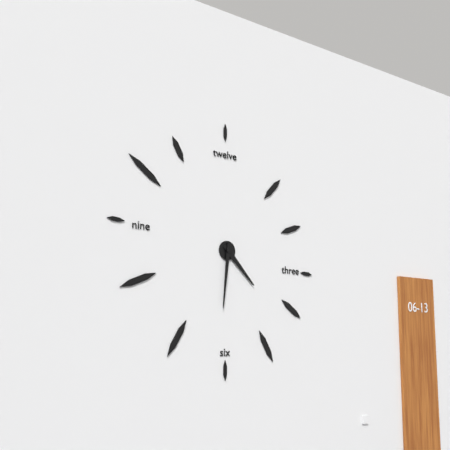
4:31
